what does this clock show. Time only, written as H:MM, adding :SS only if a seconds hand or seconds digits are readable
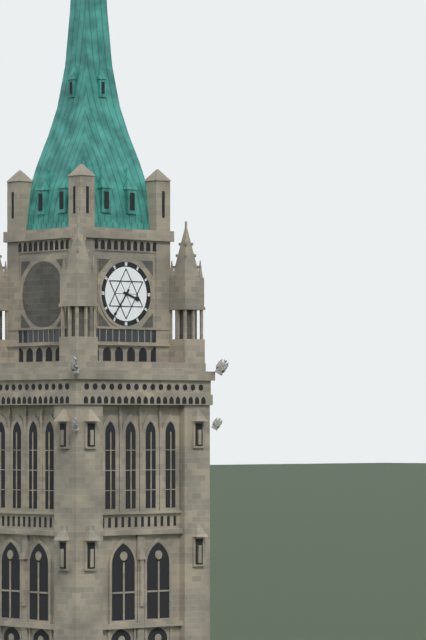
3:36
